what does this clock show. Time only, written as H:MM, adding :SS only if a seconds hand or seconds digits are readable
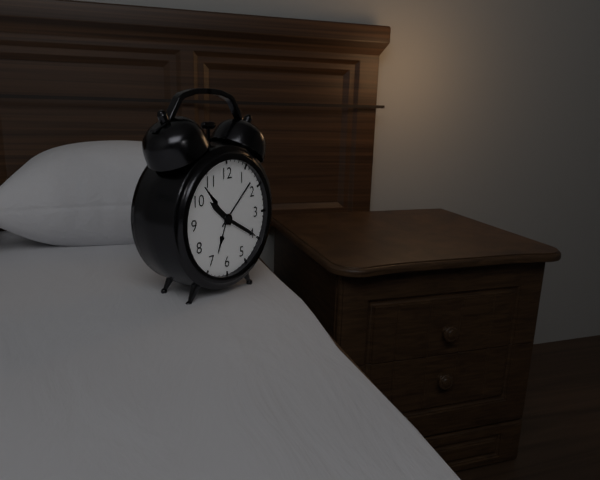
10:20
